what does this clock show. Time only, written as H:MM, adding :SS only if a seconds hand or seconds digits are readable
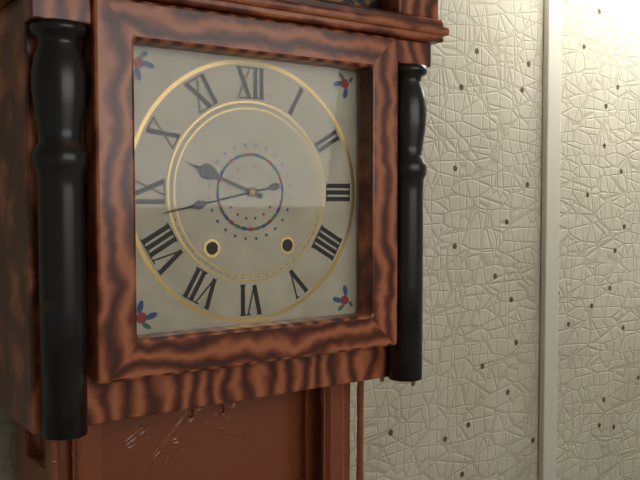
9:43
